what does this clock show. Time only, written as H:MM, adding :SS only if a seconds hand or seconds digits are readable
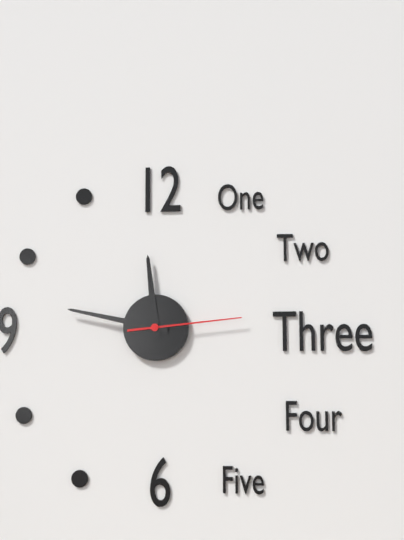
11:47:14
